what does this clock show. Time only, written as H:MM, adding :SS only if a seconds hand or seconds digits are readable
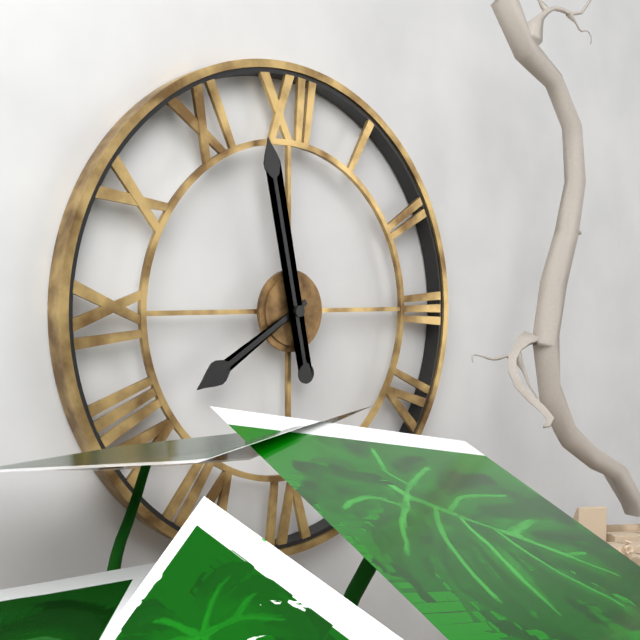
7:58
